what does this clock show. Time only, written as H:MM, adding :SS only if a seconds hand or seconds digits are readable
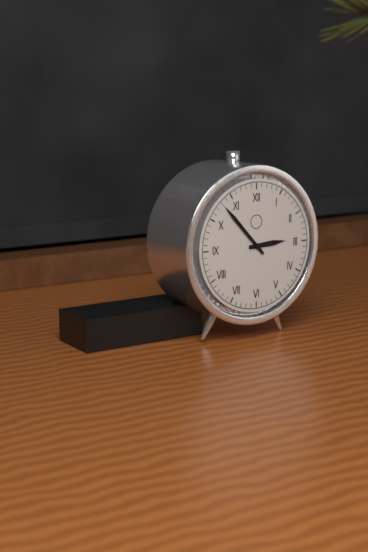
2:53
